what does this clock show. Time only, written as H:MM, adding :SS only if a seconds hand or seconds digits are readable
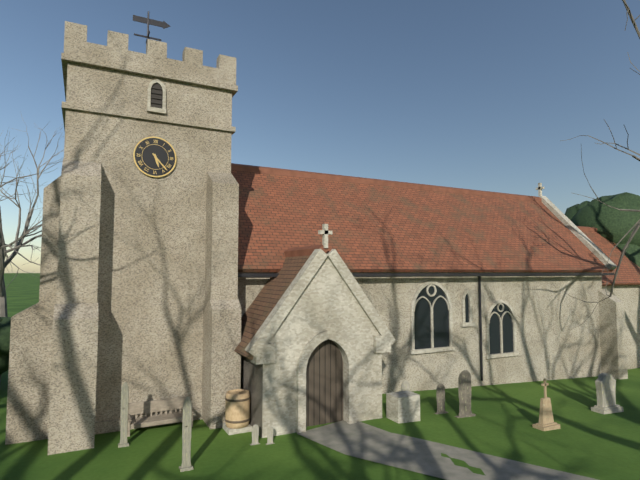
5:23
